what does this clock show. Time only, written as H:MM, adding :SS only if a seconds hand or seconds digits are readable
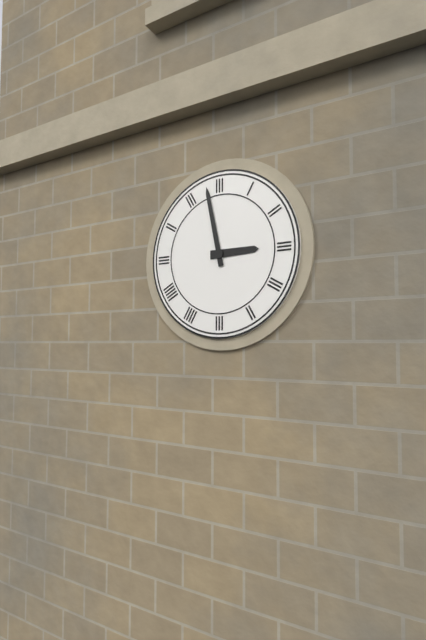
2:58
